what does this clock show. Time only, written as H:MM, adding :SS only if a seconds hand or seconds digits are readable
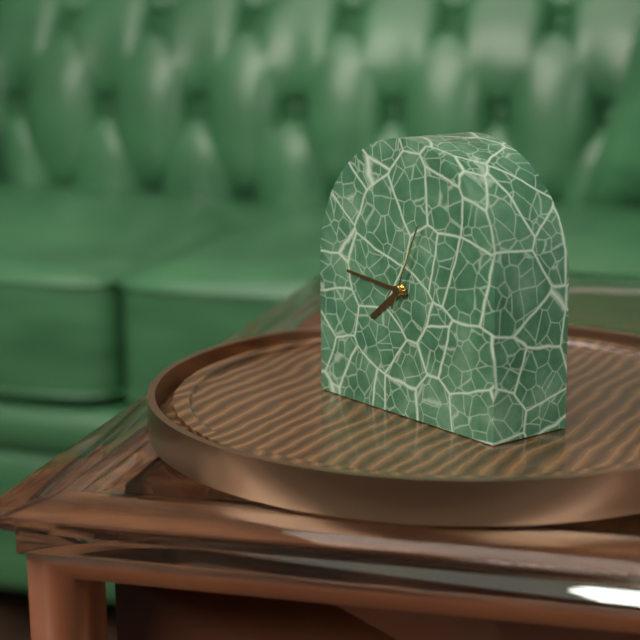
7:46:04
